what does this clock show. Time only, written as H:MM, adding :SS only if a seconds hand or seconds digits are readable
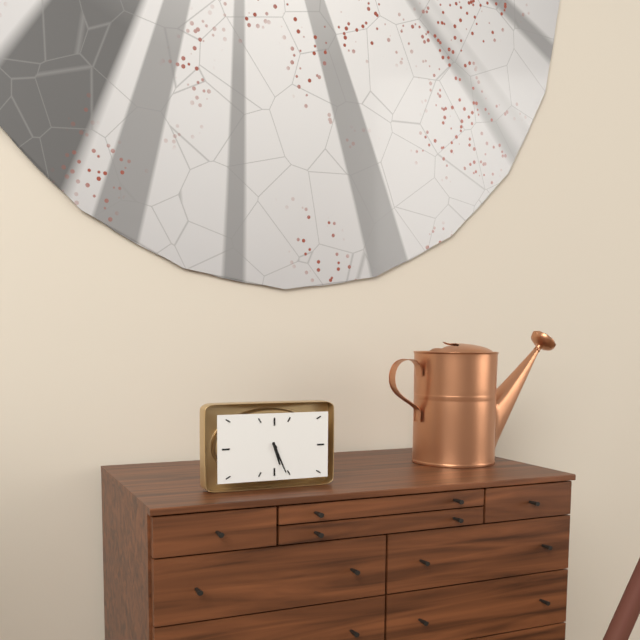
5:26
